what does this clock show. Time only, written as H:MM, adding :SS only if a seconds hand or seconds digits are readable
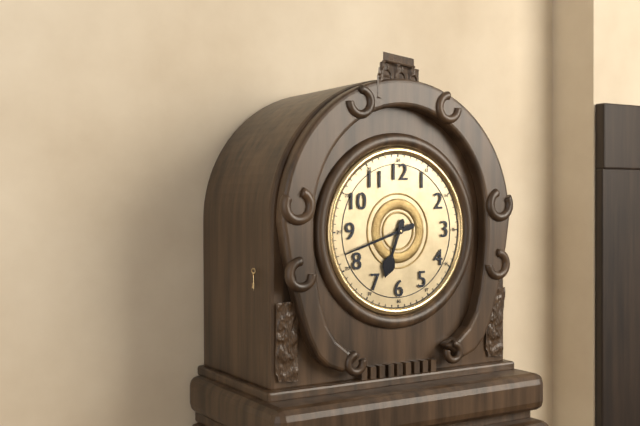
6:42
